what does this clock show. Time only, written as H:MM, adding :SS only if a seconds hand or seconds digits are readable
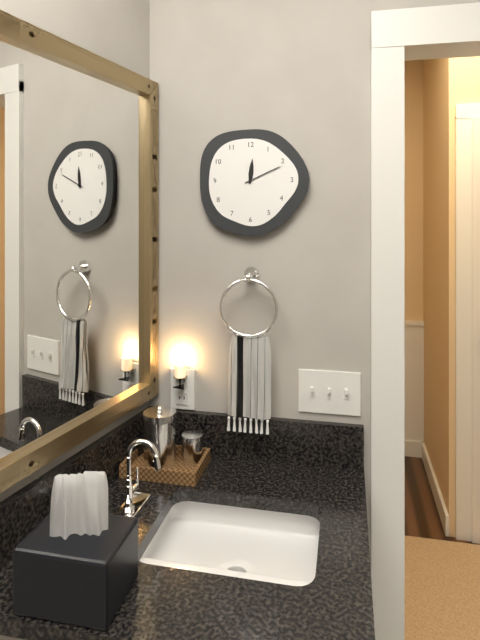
12:11
